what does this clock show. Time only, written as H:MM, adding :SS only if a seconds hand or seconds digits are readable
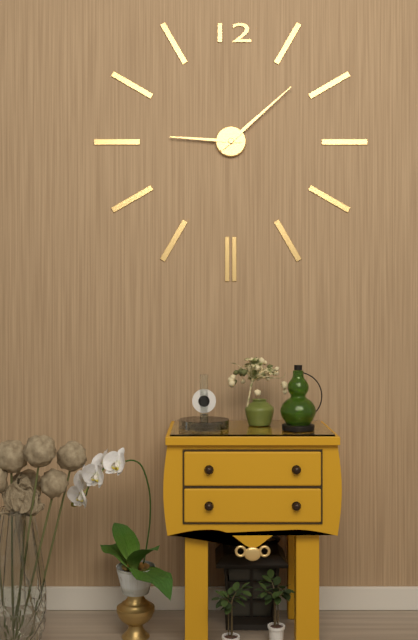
9:08
